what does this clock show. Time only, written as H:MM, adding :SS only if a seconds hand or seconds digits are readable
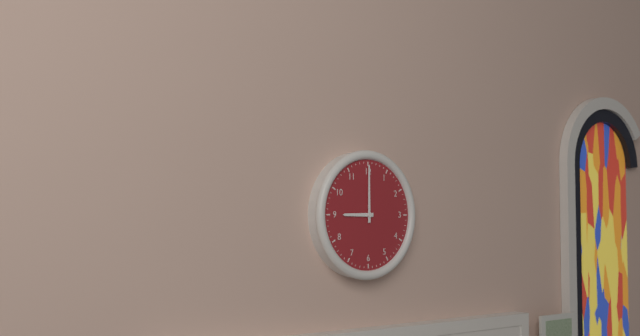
9:00
